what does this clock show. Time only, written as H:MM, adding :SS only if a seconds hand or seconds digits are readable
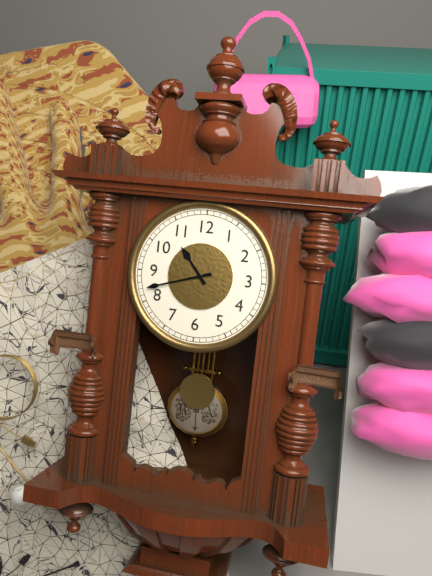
10:42
